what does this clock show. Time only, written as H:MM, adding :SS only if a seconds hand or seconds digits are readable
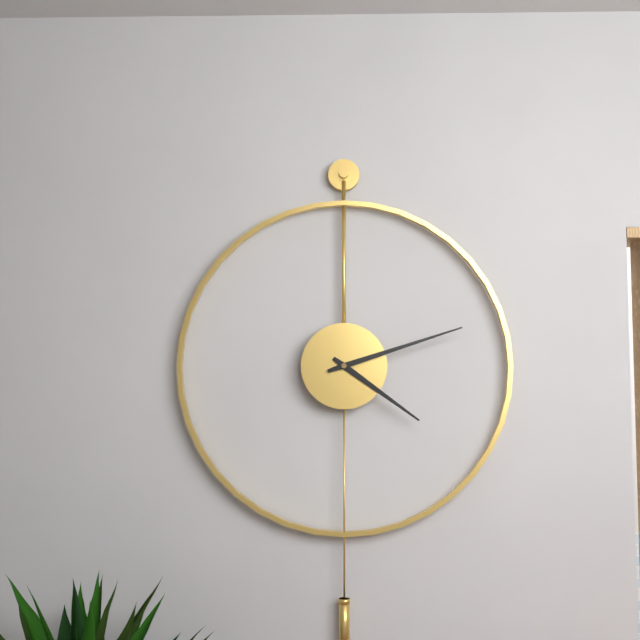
4:12
